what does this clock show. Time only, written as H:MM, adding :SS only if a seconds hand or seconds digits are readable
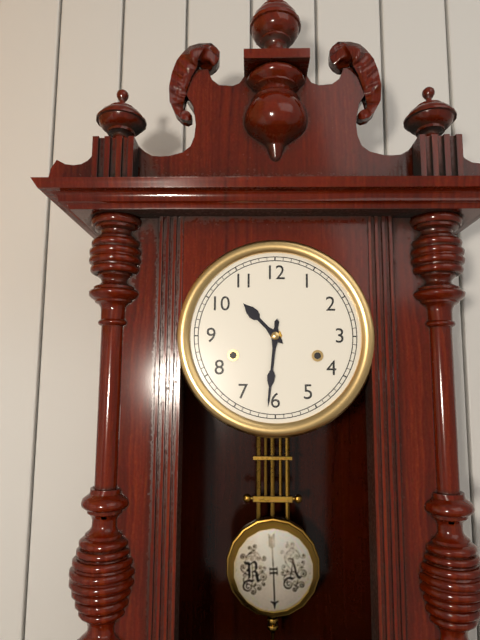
10:31
